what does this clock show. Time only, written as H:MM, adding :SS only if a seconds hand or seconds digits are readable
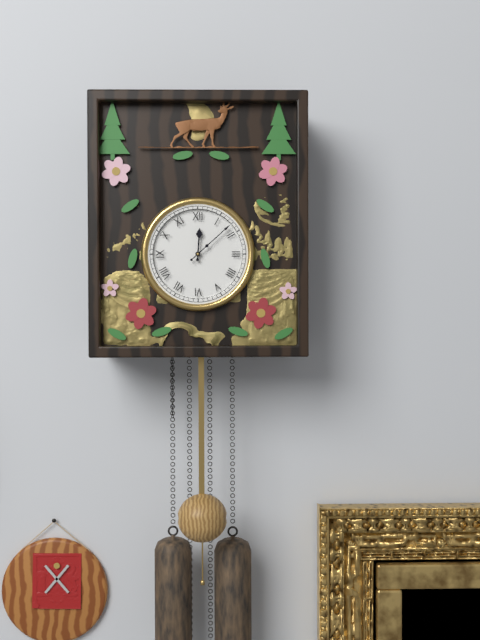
12:08
